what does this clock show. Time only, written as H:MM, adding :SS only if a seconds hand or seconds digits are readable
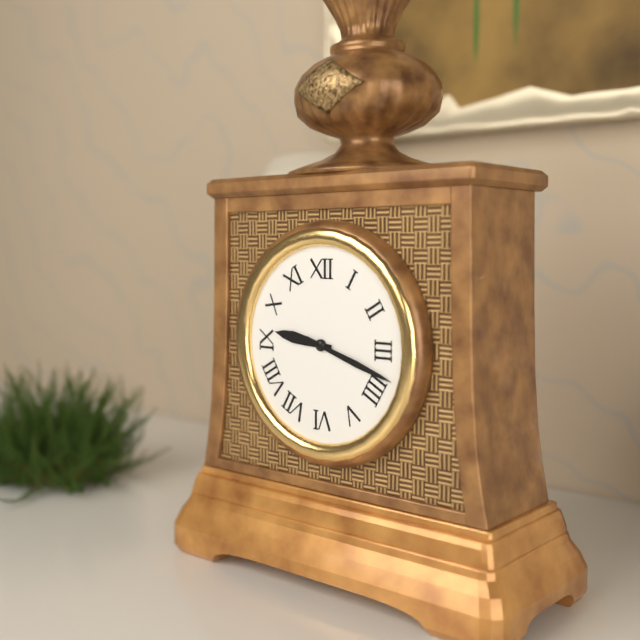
9:18
